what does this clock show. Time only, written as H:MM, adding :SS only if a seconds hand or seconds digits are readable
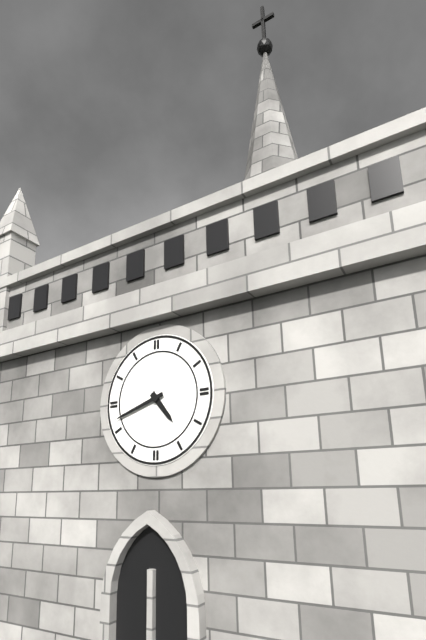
4:42
